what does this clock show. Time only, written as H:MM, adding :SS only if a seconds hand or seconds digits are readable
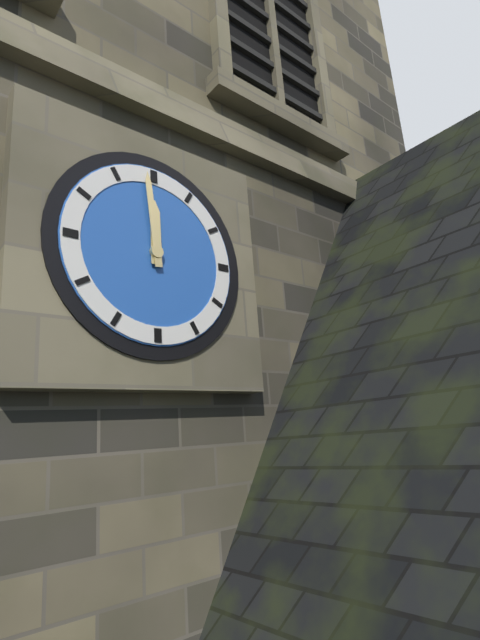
11:59
